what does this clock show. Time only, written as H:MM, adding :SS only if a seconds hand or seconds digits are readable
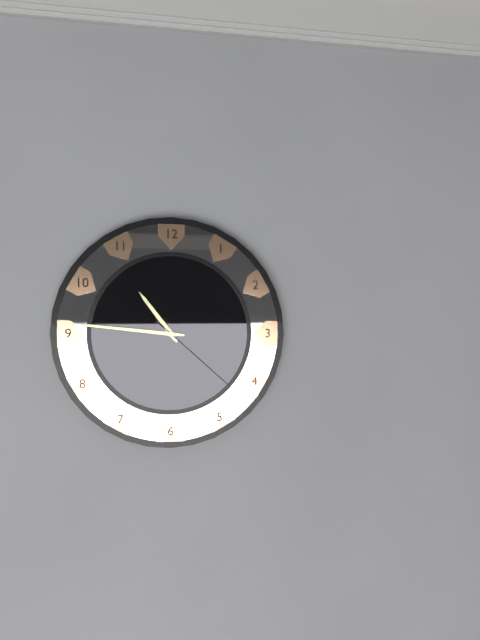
10:46:22
